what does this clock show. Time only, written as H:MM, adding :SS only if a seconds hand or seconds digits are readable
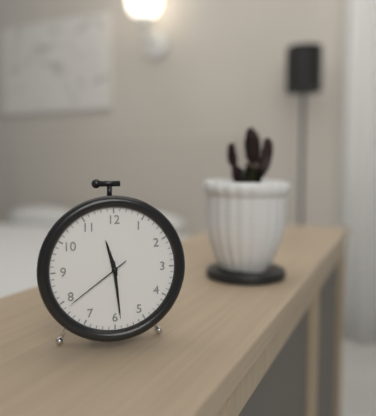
11:29:39
